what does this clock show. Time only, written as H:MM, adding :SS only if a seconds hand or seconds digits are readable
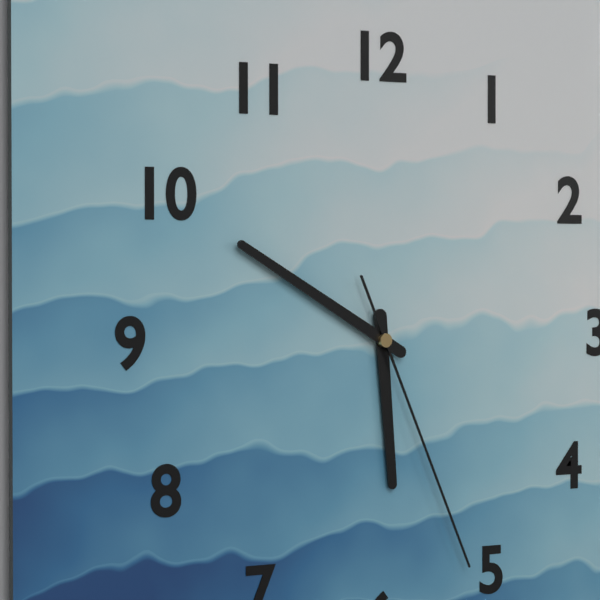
5:50:26
